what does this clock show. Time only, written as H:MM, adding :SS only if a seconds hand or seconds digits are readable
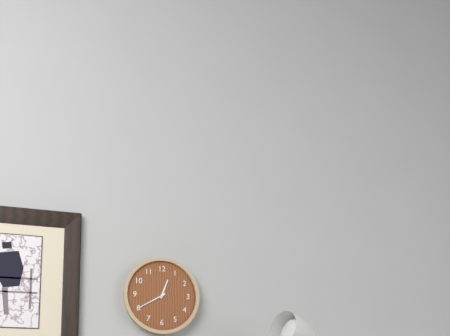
12:40
